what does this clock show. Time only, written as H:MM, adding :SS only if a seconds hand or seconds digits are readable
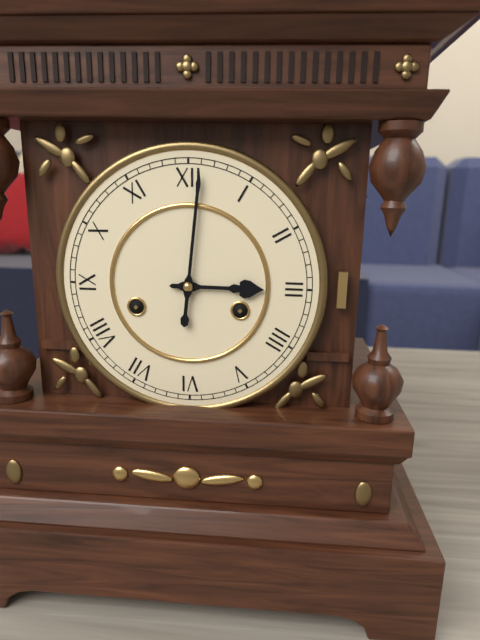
3:01
